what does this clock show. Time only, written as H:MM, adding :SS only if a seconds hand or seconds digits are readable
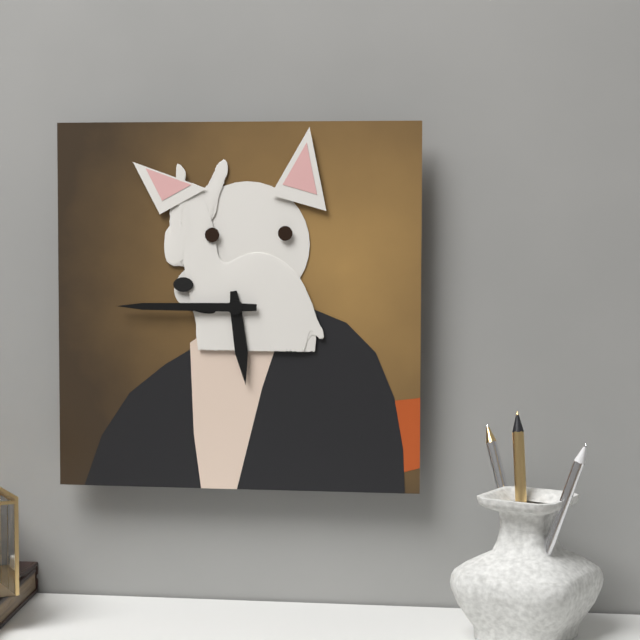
5:45
